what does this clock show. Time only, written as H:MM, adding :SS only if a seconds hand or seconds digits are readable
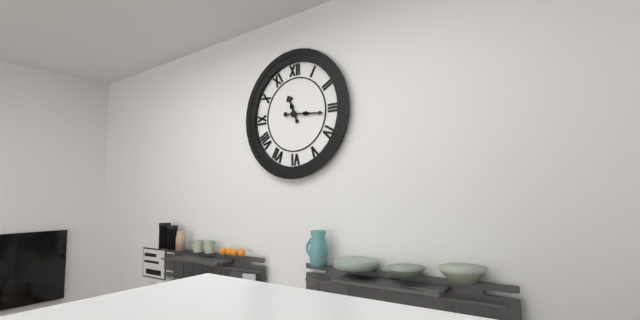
11:16
